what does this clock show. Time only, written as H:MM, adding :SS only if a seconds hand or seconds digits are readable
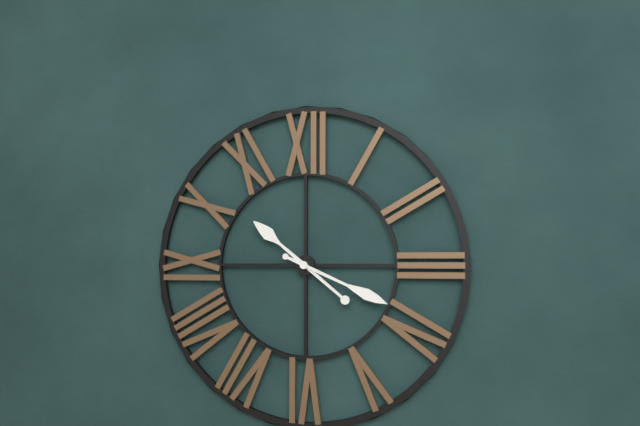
10:19
